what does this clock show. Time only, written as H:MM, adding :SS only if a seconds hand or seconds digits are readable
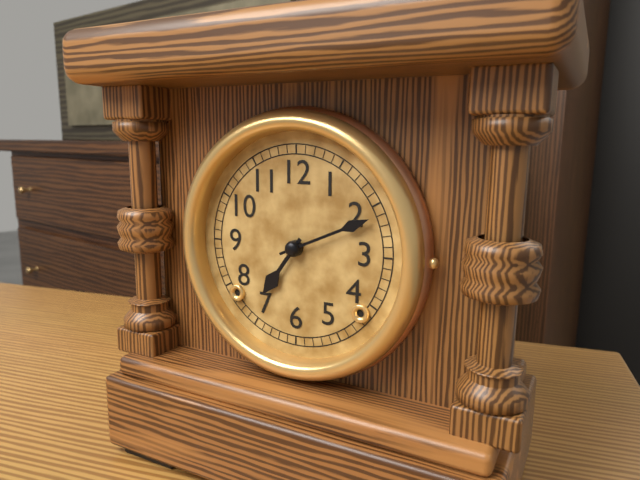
7:11
